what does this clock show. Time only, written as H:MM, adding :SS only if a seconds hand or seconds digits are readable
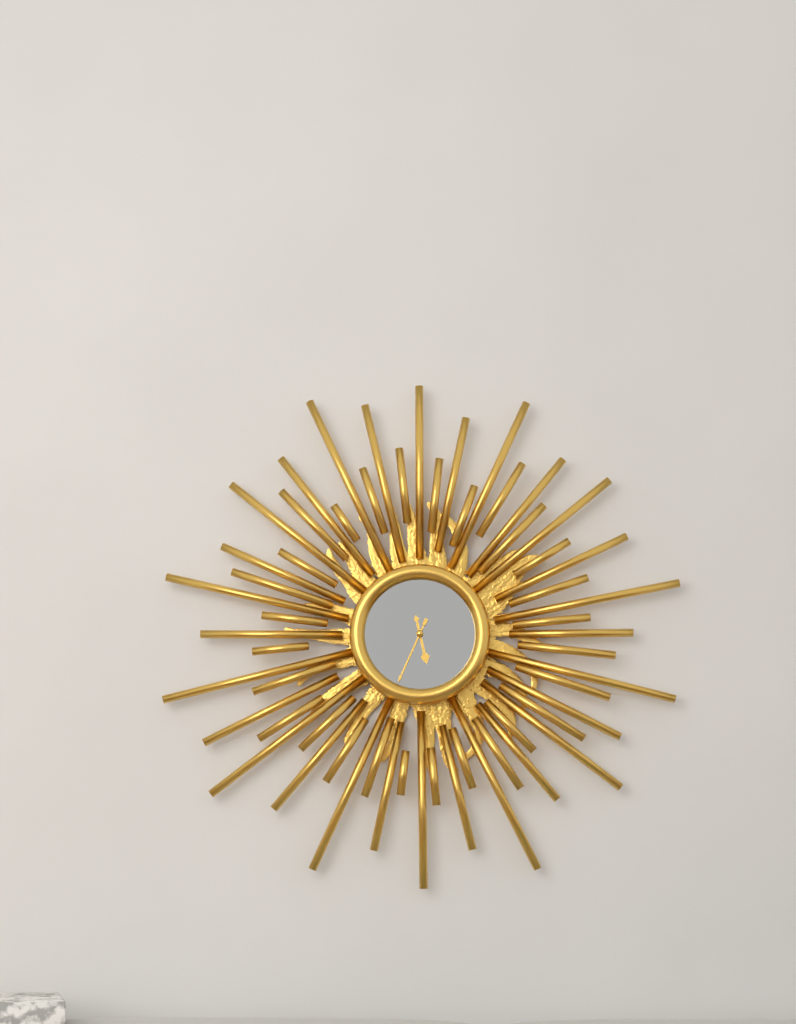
5:34
